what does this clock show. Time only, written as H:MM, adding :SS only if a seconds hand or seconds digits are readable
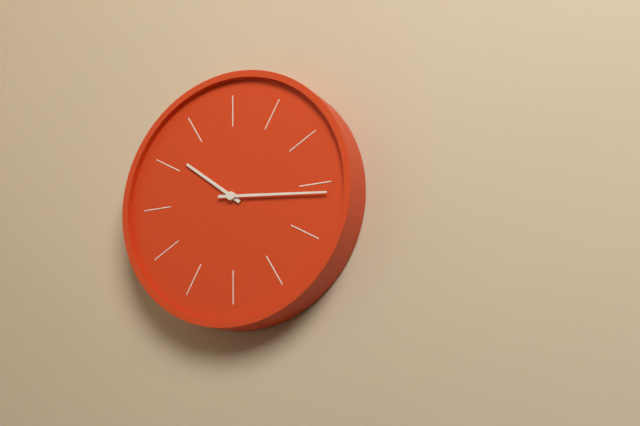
10:16
